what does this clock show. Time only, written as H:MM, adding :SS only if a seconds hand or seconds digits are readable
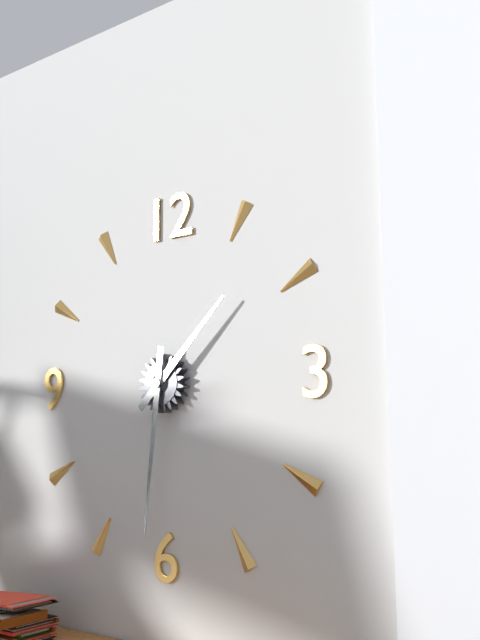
1:31
